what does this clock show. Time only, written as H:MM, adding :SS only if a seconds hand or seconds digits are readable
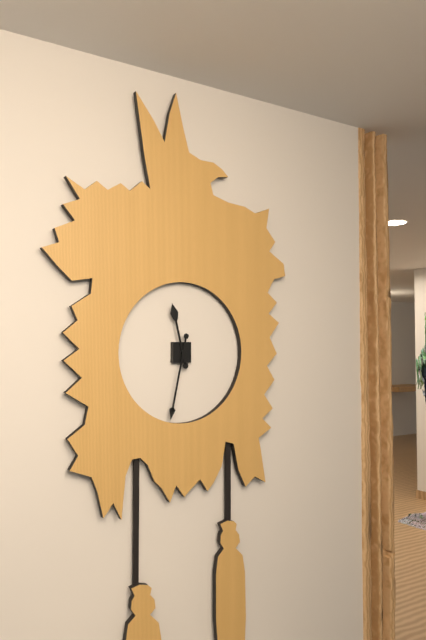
11:32
